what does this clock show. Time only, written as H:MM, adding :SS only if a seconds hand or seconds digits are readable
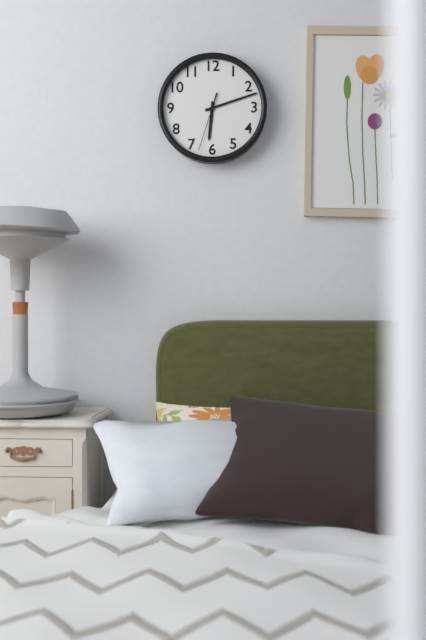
6:12:33
